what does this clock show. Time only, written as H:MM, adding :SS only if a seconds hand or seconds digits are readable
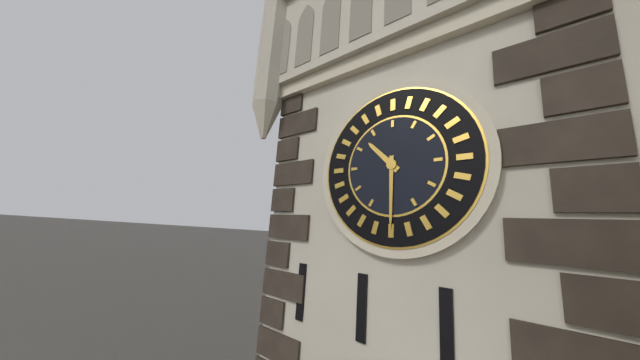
10:30
